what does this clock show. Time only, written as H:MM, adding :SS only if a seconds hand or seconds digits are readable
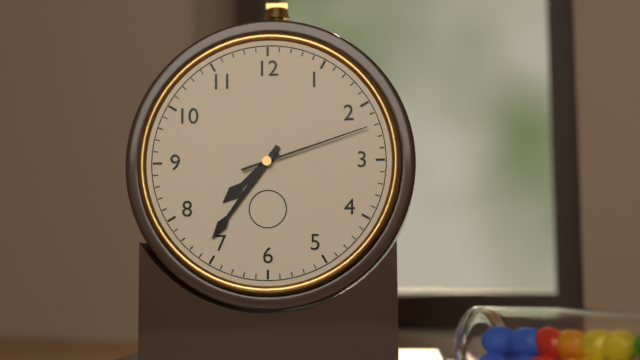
7:36:12
